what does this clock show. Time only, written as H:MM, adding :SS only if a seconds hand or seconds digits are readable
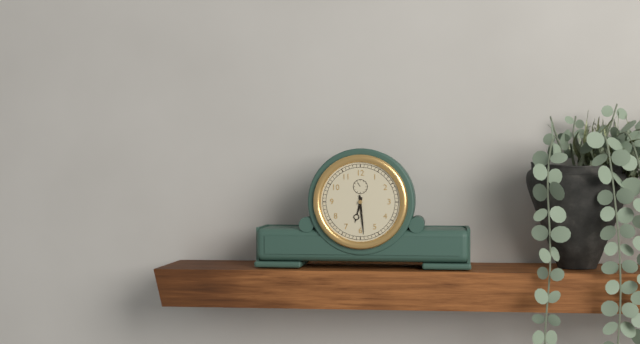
6:29
